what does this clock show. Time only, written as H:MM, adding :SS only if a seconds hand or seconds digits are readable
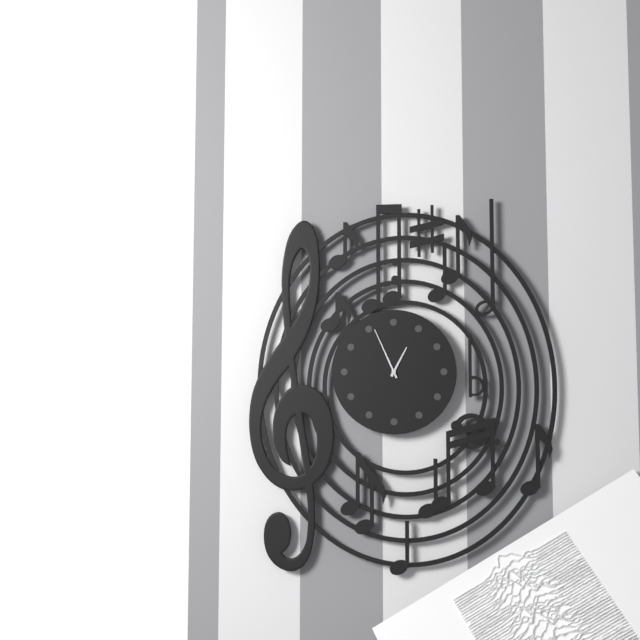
12:56
